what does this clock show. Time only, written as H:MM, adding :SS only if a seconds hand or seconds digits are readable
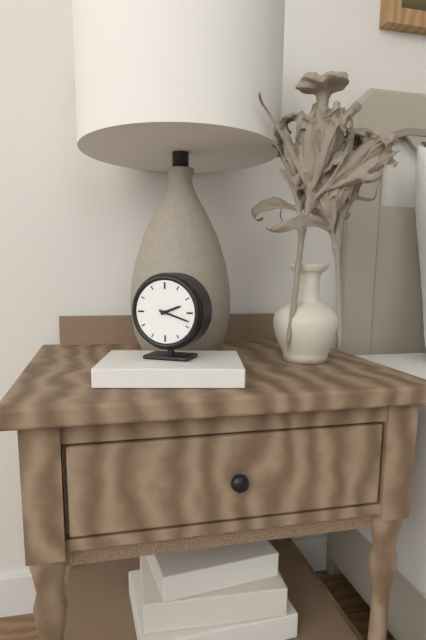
2:18
